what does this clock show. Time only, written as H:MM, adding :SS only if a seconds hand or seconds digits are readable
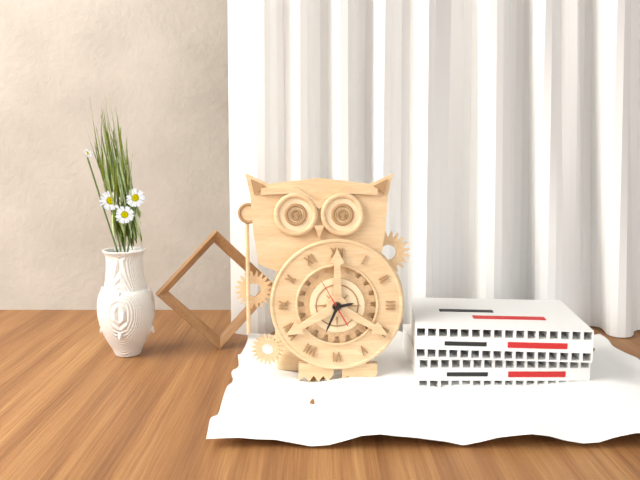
2:34
